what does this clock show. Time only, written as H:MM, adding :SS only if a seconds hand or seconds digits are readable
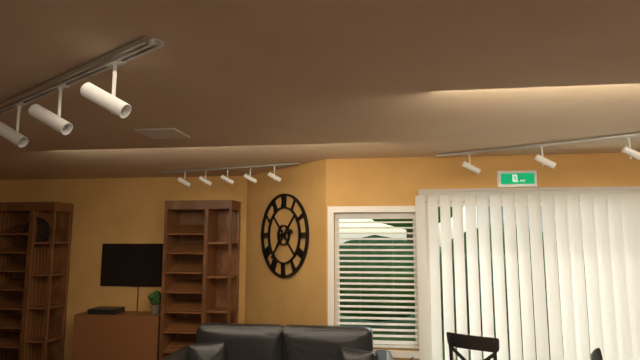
2:36
